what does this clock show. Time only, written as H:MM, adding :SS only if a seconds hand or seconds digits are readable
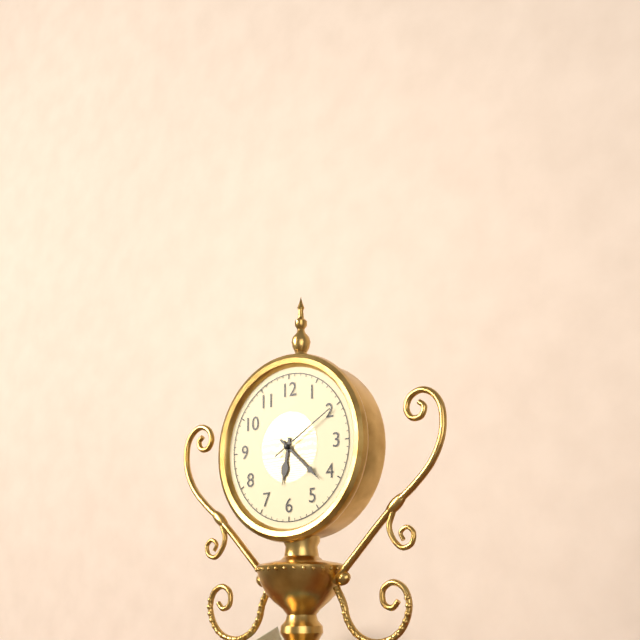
6:22:10
